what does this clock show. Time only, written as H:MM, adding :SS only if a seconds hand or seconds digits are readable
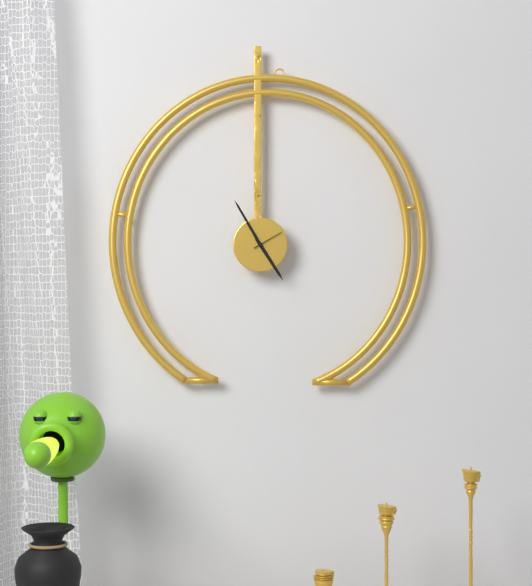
4:55
